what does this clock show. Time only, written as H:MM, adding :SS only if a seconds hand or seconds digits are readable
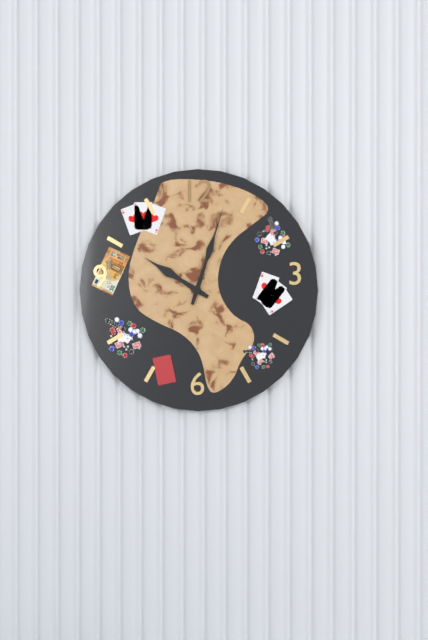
10:03
